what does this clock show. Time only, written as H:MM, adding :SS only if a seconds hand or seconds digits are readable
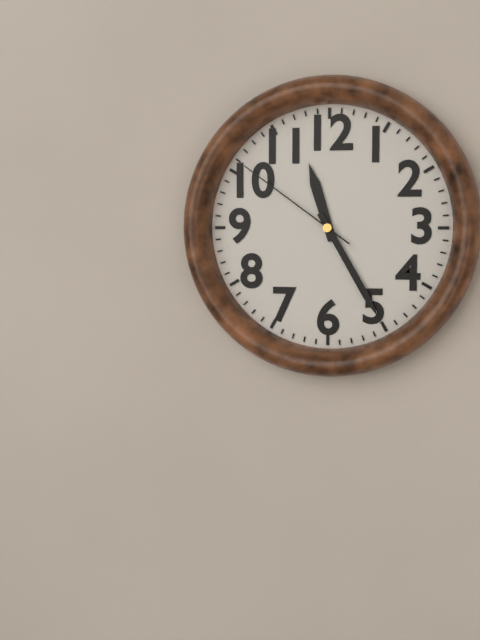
11:25:51
